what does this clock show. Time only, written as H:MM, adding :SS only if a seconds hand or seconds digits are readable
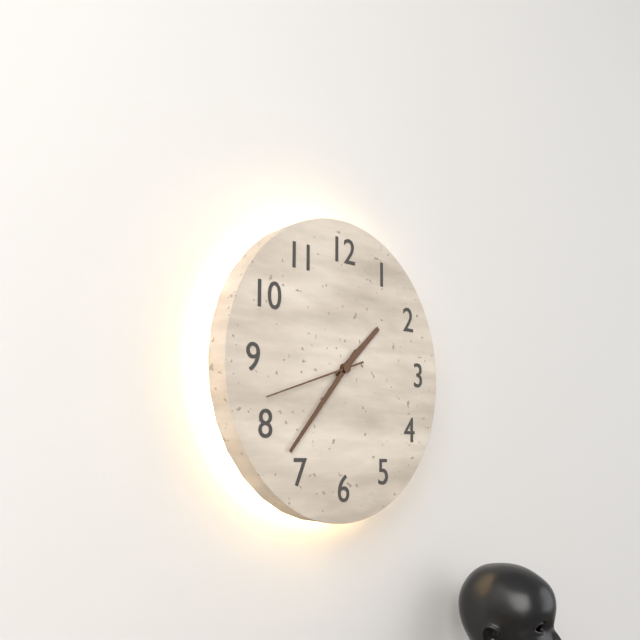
1:37:42
